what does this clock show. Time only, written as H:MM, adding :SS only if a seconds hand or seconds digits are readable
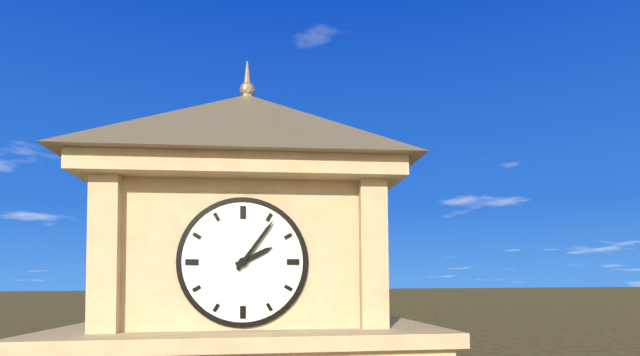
2:06
